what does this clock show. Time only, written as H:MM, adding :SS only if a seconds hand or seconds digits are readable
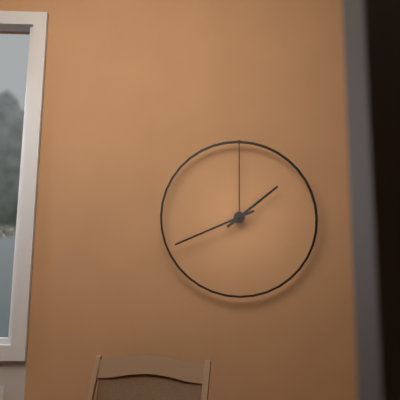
1:41
